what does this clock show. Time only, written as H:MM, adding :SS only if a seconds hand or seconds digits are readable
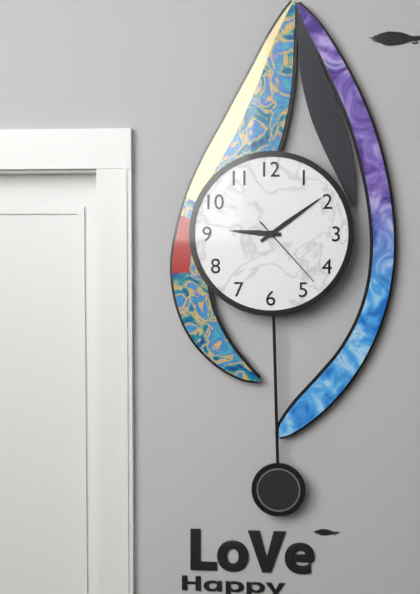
9:09:23
